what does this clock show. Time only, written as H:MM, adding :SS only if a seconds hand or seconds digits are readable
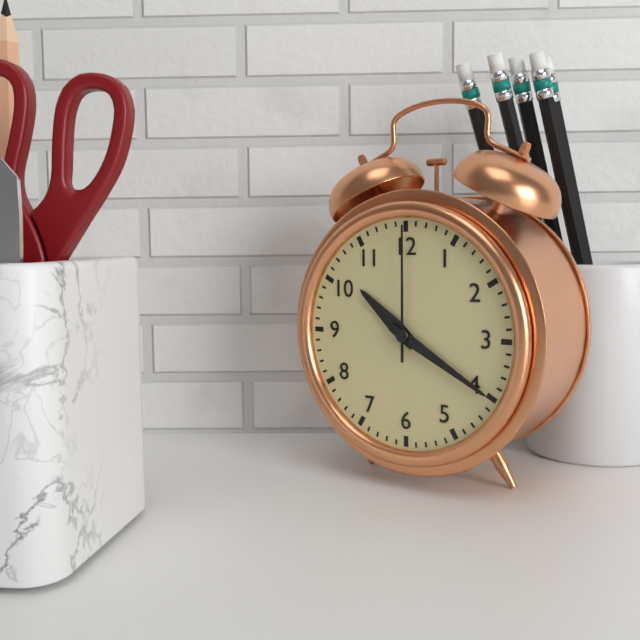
10:20:00
